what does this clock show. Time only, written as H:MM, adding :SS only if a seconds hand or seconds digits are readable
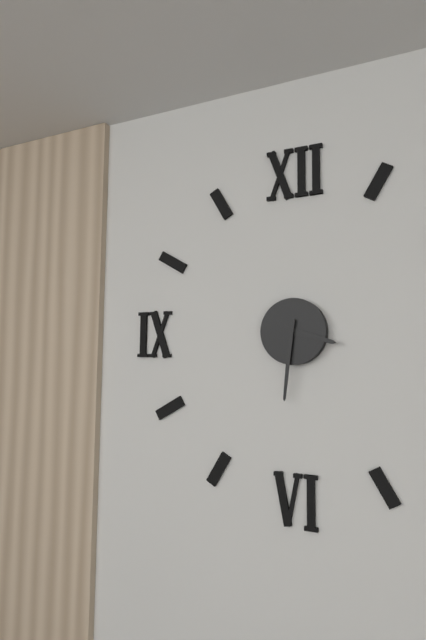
3:31
